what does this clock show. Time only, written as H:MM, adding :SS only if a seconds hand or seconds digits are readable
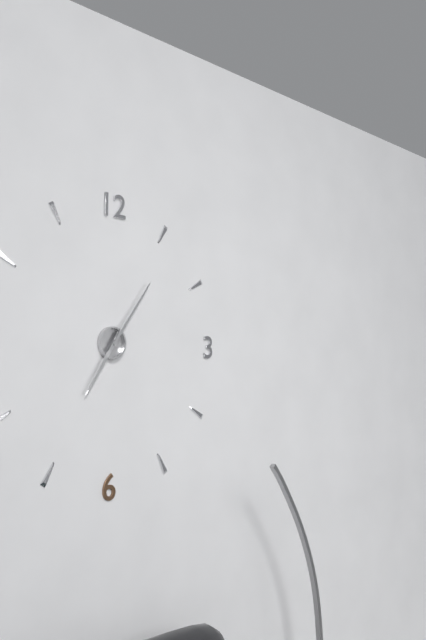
7:06
